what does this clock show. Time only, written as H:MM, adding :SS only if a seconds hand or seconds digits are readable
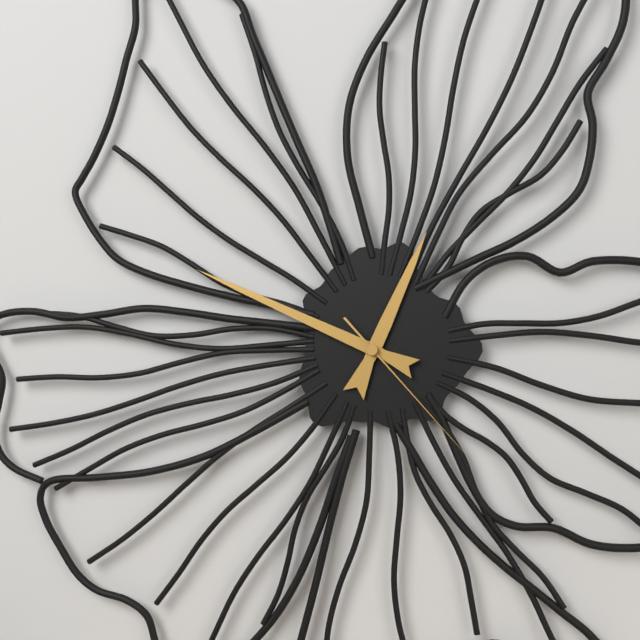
12:49:23
